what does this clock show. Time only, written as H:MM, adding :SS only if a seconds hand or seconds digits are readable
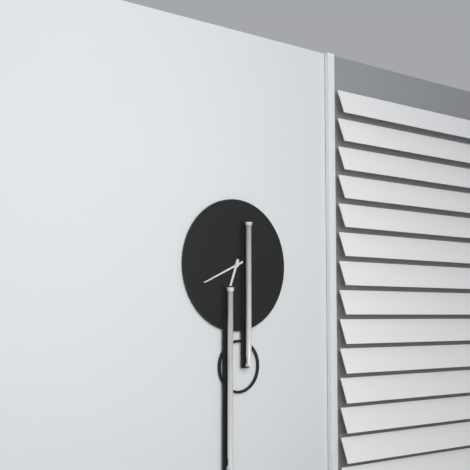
6:41
